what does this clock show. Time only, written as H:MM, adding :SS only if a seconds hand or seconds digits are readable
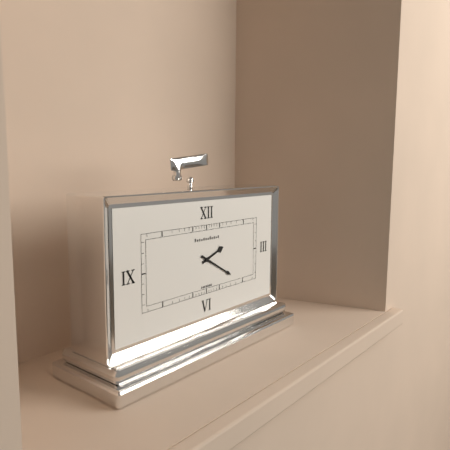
2:20
